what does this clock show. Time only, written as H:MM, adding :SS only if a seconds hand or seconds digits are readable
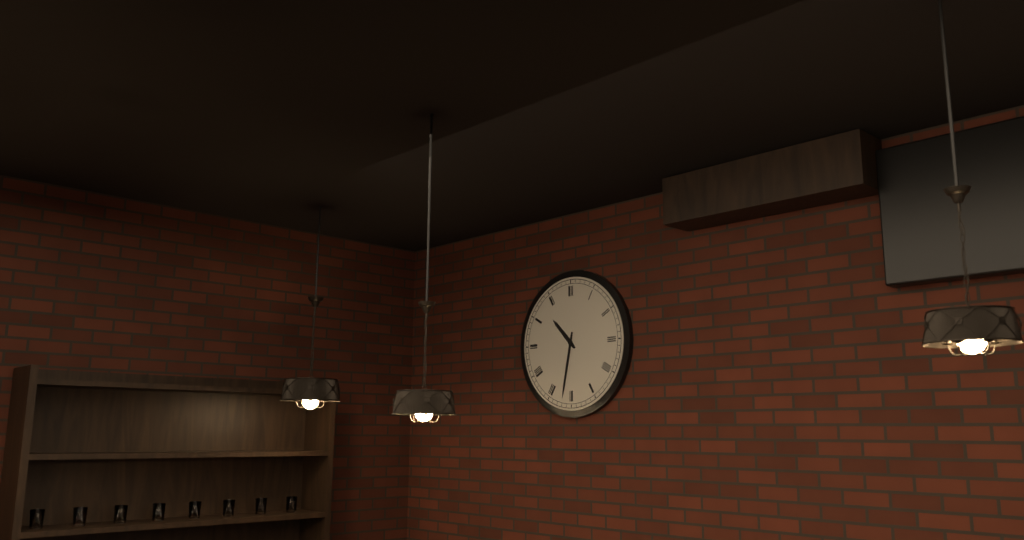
10:32
